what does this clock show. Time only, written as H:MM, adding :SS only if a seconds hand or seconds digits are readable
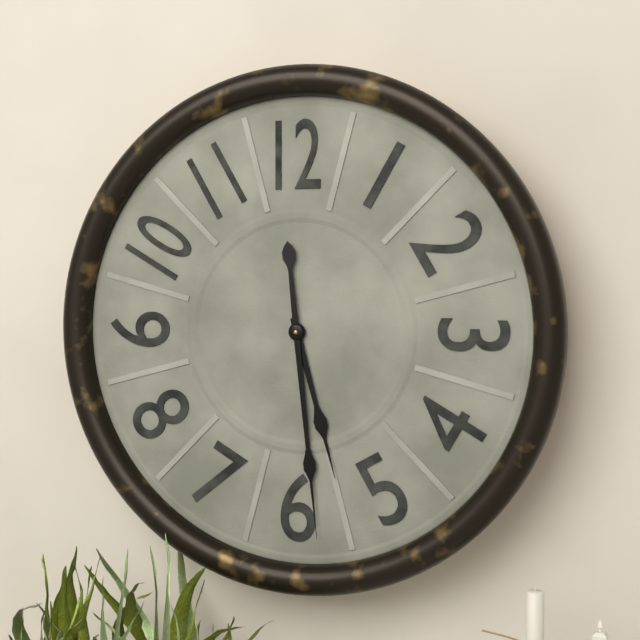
5:29
